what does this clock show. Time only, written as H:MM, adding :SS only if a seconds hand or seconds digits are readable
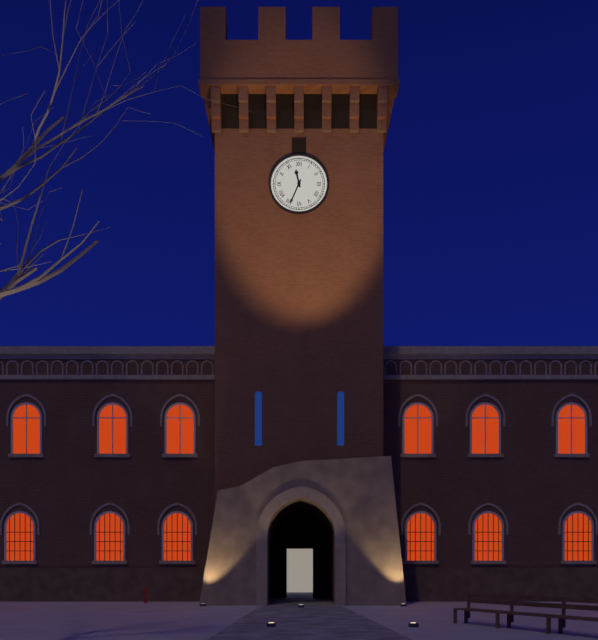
11:34
